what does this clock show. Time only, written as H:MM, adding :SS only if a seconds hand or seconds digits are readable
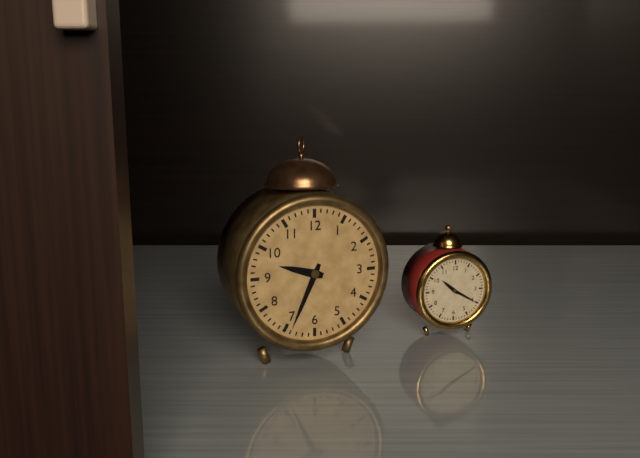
9:34
